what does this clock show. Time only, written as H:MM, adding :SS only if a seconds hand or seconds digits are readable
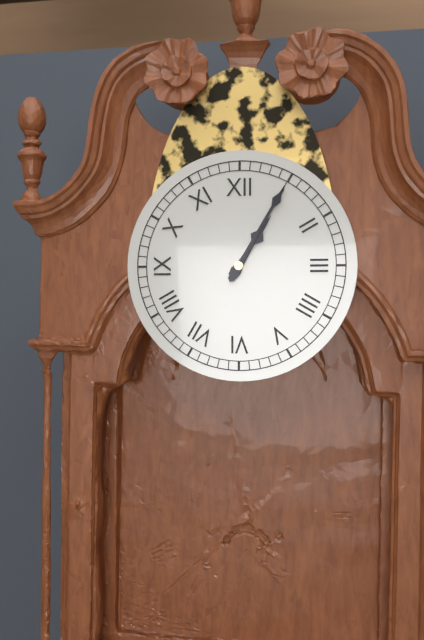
1:05
